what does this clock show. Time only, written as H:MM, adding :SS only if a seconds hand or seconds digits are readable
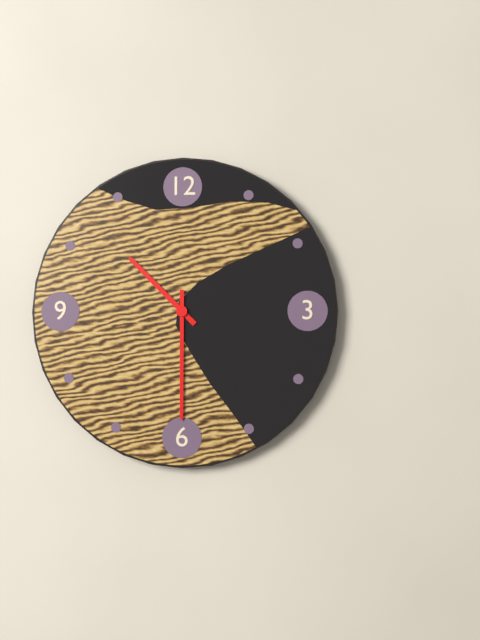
10:30
